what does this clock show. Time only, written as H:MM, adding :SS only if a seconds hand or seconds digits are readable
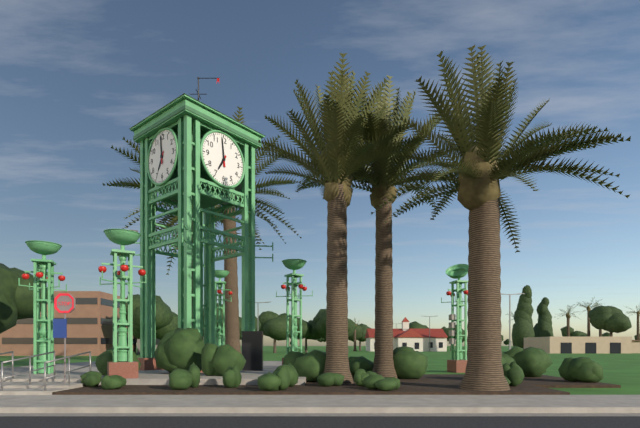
6:59
